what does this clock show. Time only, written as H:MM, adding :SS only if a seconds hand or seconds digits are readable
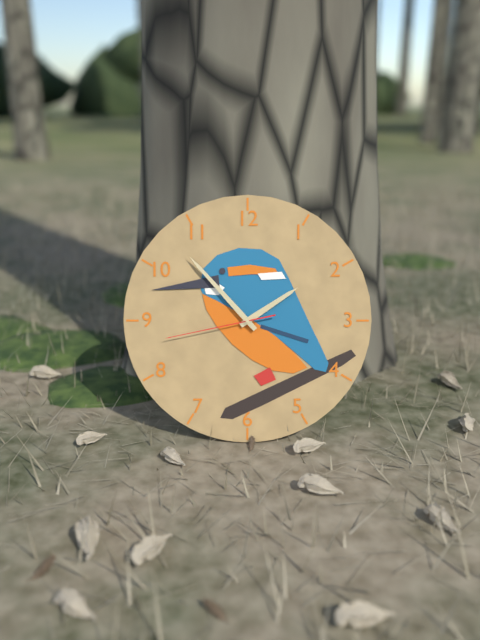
1:53:43
